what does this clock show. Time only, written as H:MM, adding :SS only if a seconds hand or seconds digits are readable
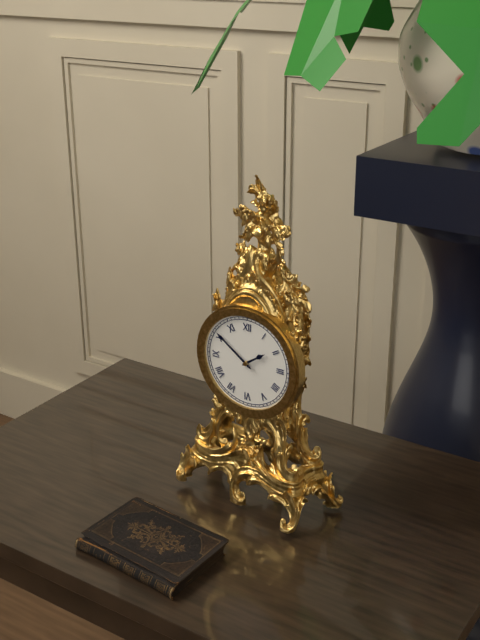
1:51
